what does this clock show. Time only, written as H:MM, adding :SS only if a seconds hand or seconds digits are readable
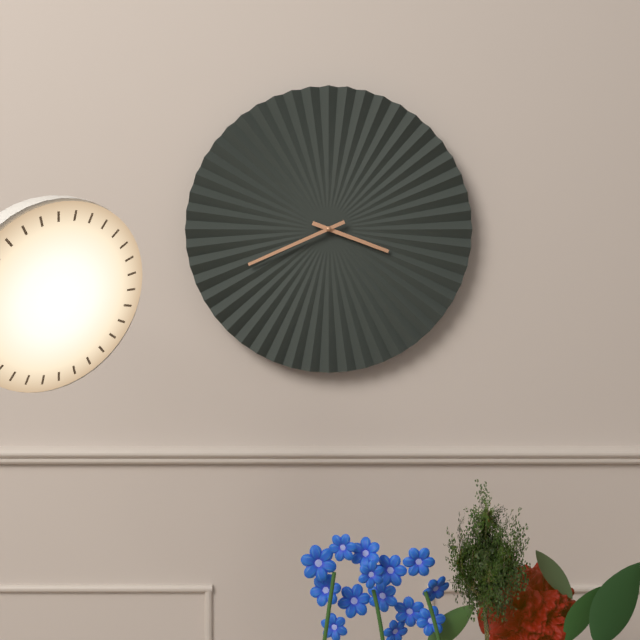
3:41
